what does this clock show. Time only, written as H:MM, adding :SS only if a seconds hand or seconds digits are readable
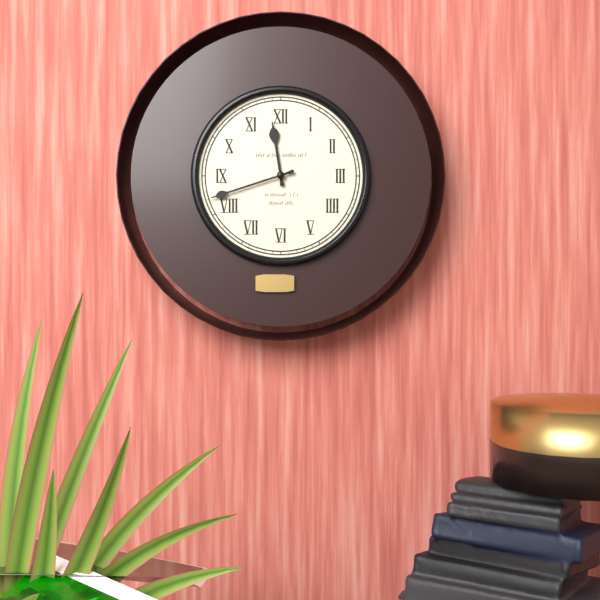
11:42
